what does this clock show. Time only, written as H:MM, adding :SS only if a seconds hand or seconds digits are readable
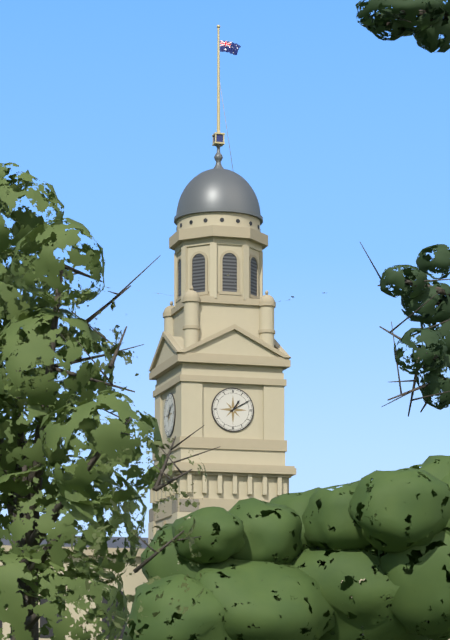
1:10
